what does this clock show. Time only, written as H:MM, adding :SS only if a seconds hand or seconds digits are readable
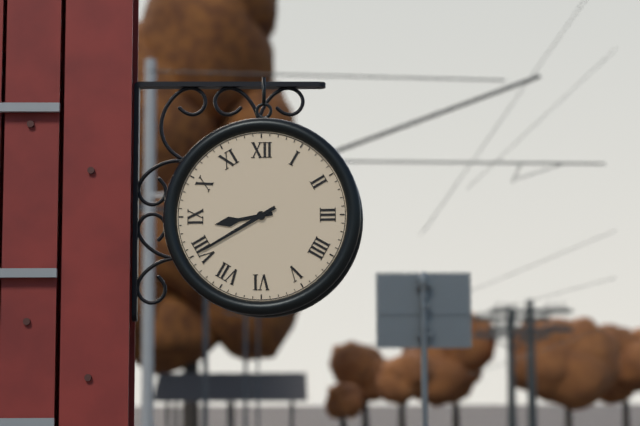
8:40
